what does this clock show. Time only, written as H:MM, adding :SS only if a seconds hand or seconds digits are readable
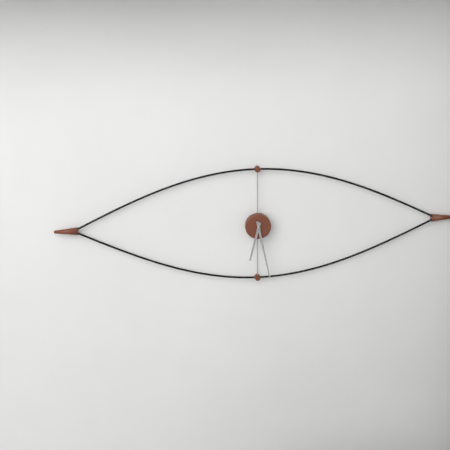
6:28
